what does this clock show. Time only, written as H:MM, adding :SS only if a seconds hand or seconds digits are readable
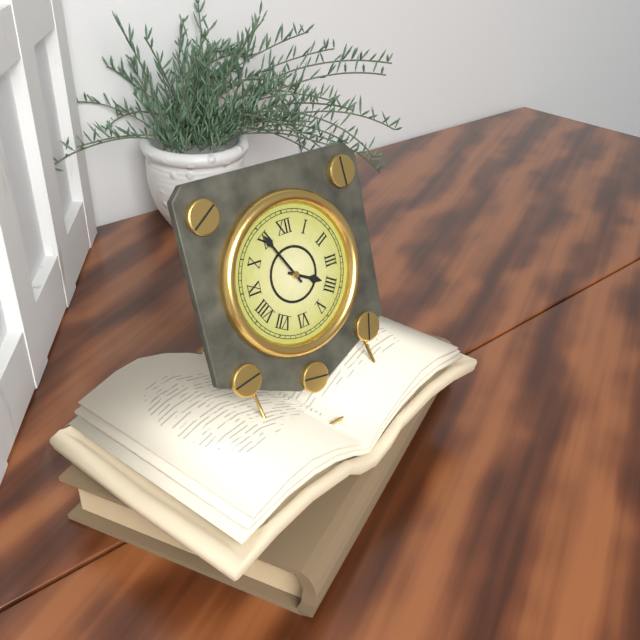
3:55
